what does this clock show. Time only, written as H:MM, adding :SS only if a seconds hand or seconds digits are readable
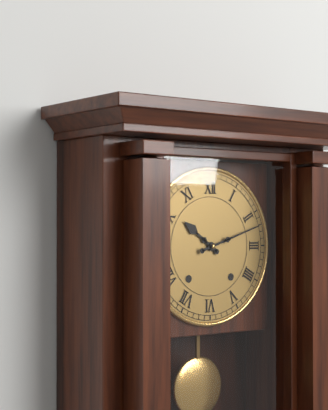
10:12
